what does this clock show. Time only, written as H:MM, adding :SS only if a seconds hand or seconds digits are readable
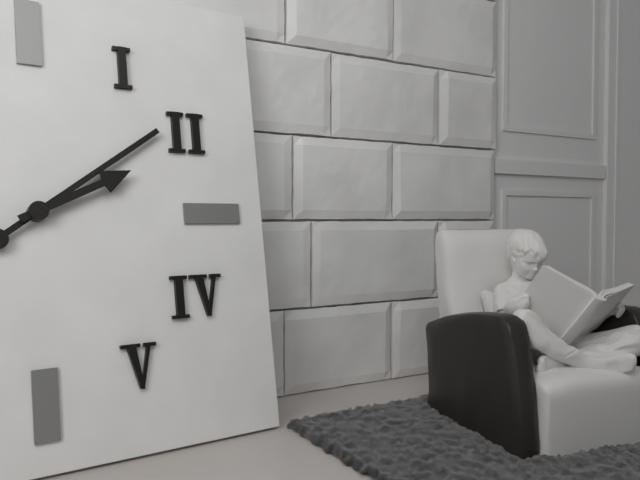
2:09
